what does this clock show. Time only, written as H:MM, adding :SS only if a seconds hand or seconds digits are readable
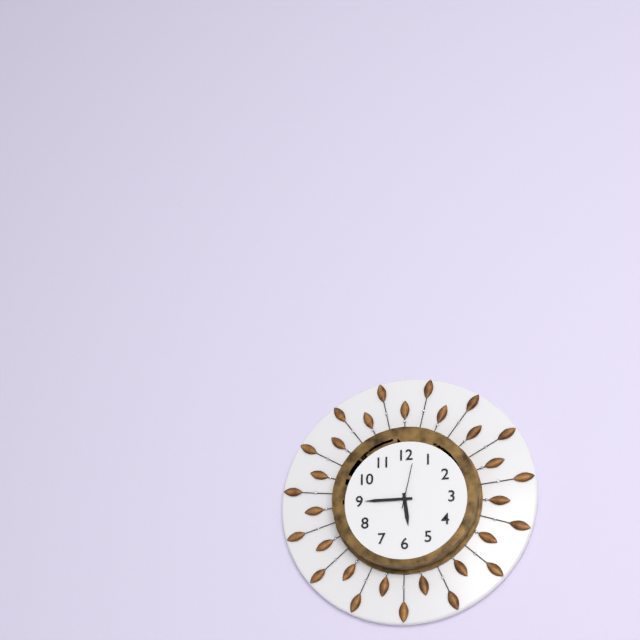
5:45
